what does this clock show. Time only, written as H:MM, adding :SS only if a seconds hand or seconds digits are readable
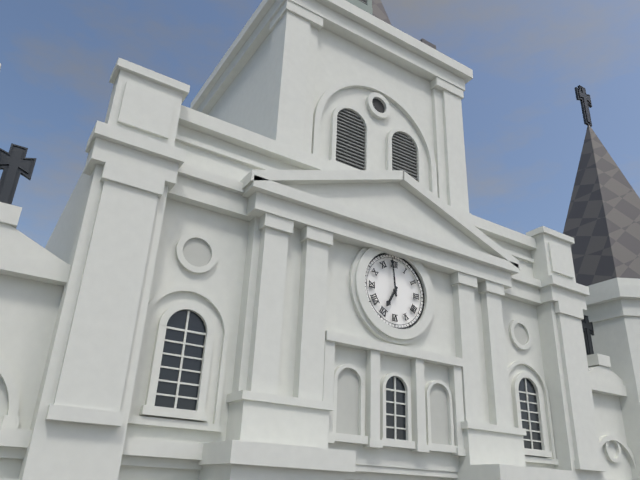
6:59
